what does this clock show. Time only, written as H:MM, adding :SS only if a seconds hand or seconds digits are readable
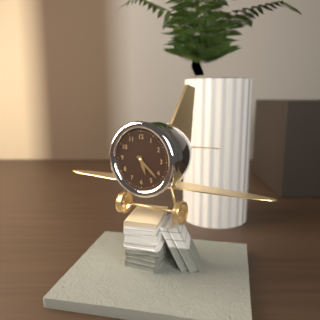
5:22
